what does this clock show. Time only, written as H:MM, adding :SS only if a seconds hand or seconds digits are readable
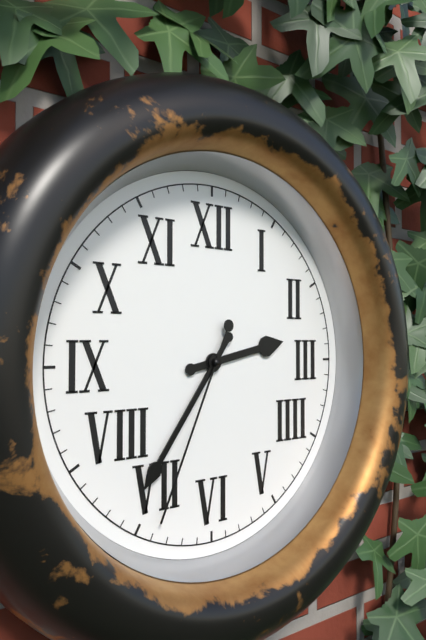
2:36:34
